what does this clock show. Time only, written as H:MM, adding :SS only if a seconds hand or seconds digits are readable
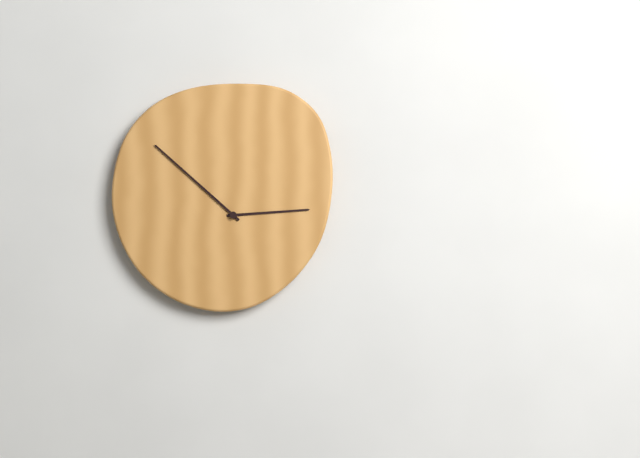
2:52
